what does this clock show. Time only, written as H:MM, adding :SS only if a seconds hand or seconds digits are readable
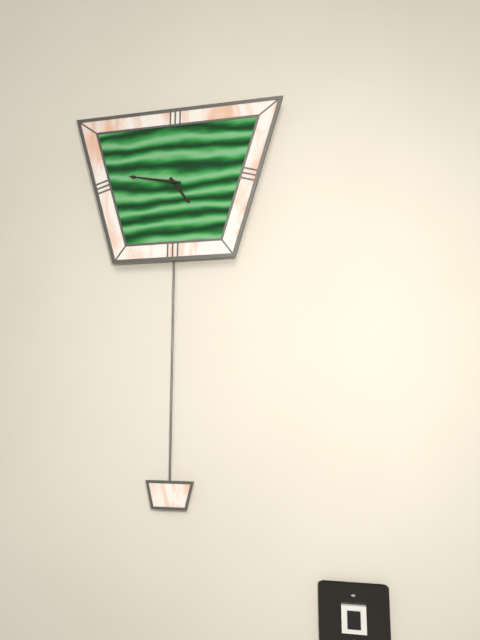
4:47
